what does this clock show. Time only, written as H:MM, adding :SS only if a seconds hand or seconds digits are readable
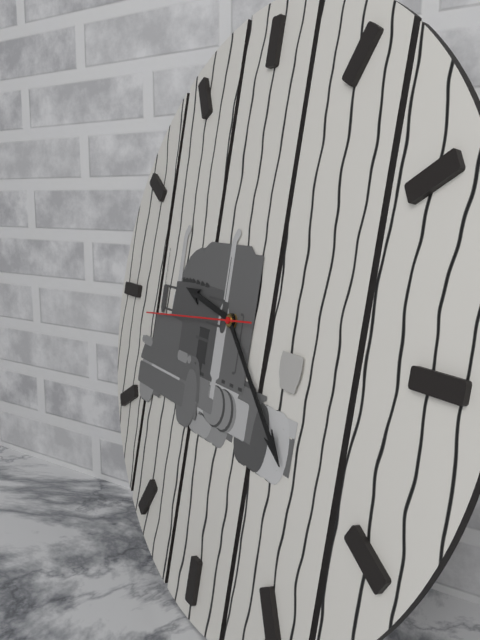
9:22:44
